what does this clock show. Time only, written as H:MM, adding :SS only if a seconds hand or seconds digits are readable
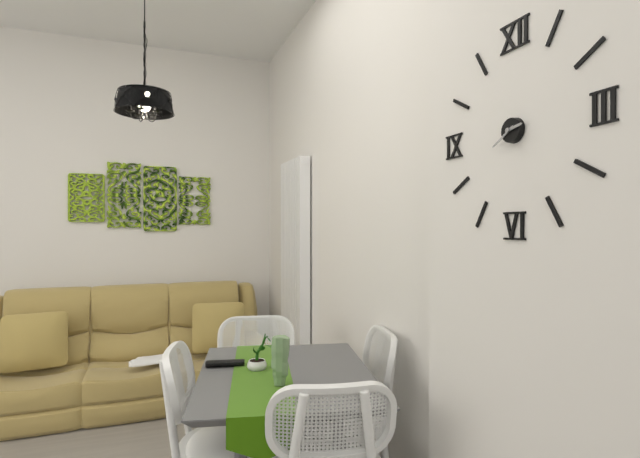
2:40
